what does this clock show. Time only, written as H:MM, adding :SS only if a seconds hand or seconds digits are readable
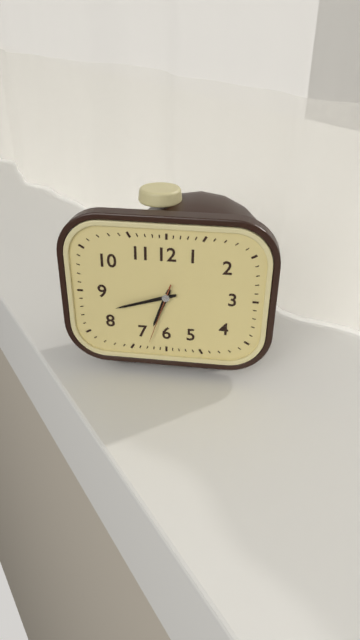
6:42:33
